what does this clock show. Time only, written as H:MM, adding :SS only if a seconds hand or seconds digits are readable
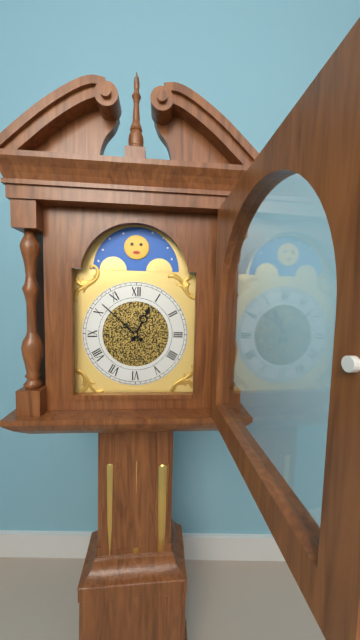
12:52
